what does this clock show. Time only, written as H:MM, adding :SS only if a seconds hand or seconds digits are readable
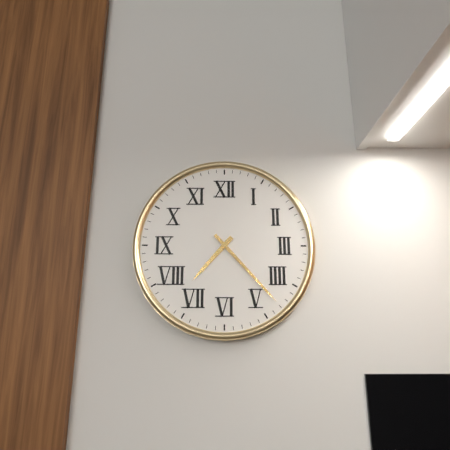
7:23
